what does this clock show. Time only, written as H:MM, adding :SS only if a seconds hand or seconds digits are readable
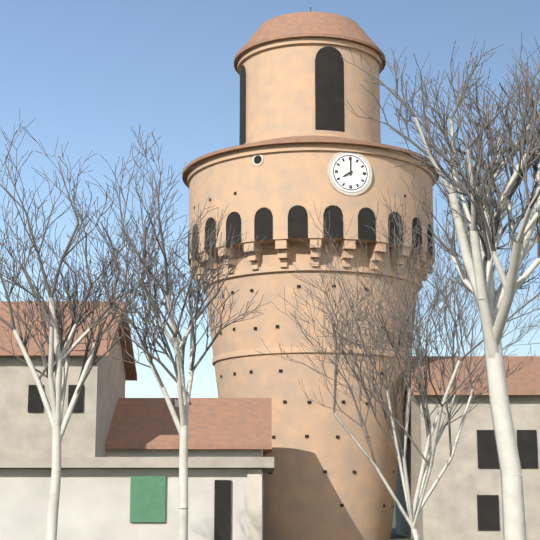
8:00
